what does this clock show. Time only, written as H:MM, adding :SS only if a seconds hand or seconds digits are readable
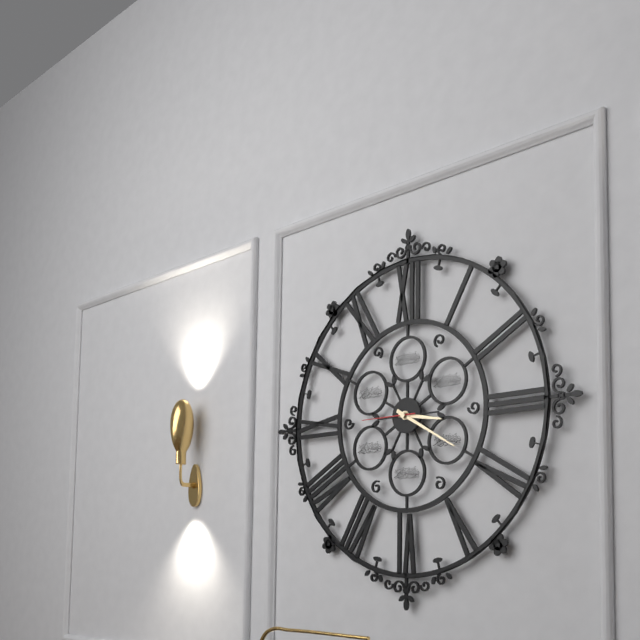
3:20:45
